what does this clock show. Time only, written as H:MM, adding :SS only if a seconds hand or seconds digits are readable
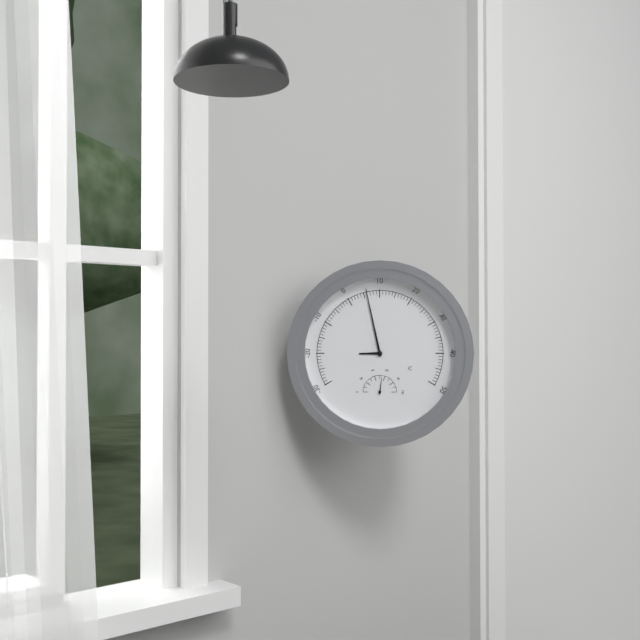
8:58
